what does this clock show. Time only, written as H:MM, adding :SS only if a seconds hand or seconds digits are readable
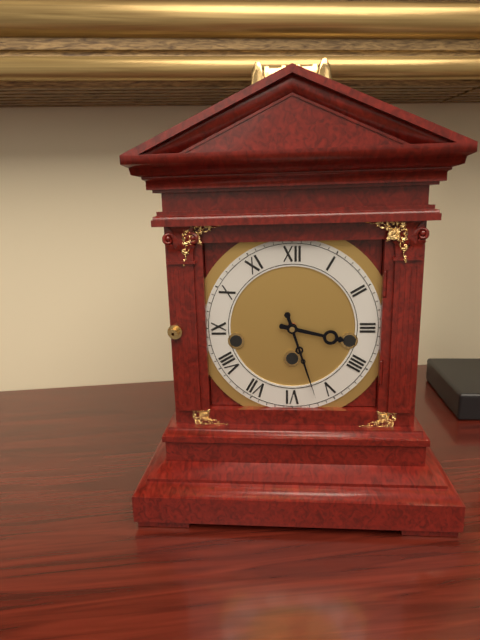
3:27
